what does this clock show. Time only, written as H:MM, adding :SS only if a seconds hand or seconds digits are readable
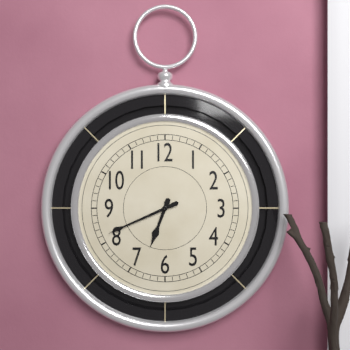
6:41
